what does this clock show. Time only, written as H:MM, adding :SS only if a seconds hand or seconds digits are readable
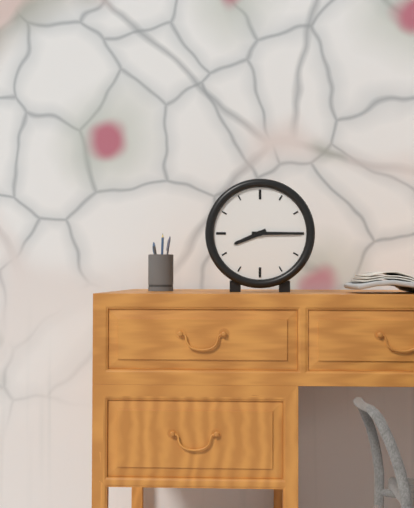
8:15
